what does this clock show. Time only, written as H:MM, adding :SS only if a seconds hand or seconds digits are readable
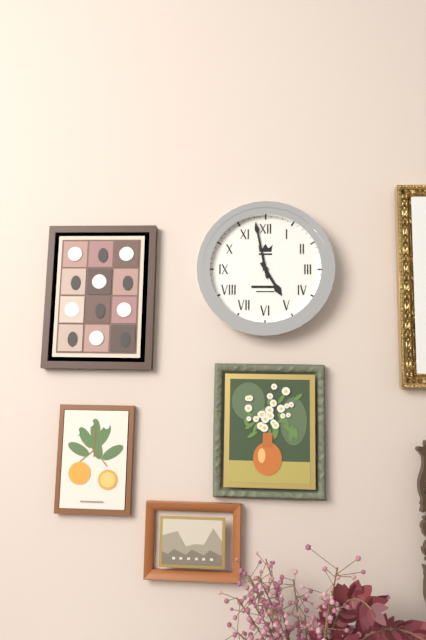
4:58
